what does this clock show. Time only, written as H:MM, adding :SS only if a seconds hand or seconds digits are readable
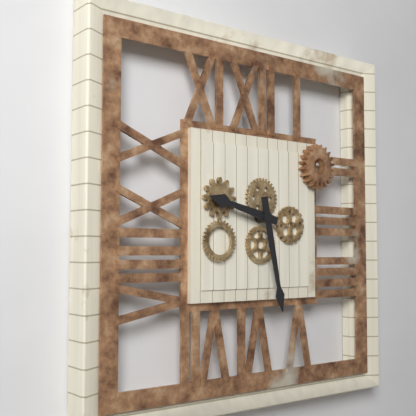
9:28
